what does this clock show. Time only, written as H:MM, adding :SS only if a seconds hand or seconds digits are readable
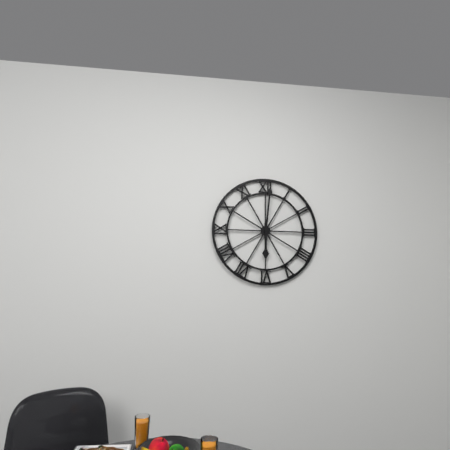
6:01
